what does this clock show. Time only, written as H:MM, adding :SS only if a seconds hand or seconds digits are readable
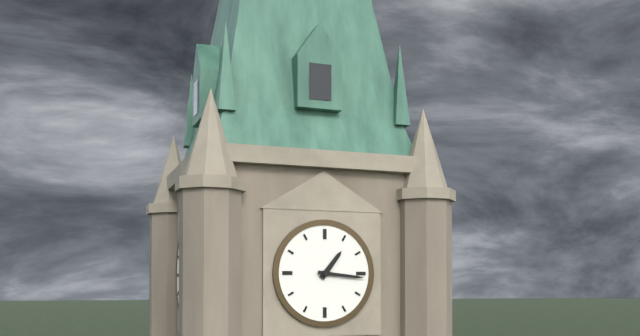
1:16
